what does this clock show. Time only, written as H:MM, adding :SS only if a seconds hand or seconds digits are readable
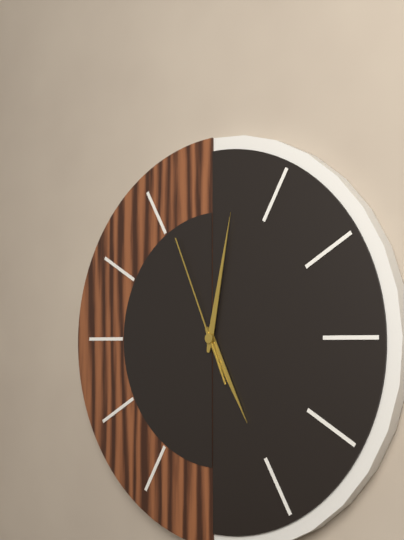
5:02:56
